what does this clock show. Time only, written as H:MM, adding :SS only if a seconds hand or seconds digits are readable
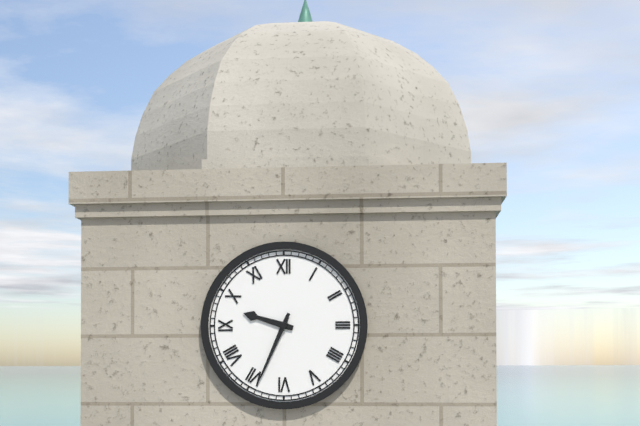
9:34
